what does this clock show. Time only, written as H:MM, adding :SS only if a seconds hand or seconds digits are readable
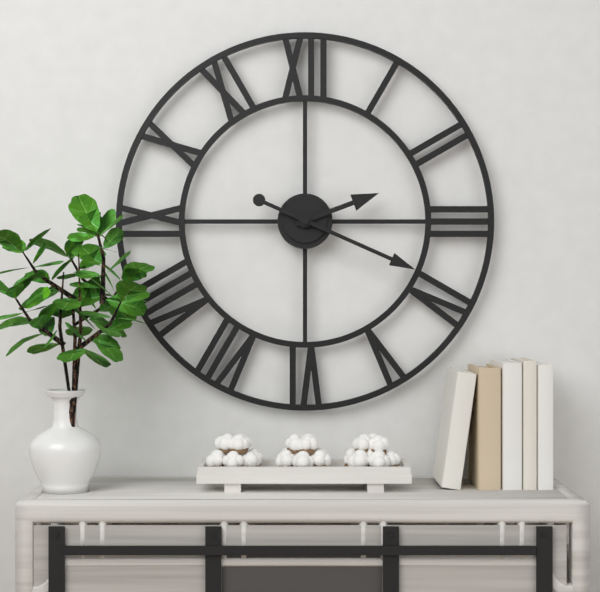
2:19
